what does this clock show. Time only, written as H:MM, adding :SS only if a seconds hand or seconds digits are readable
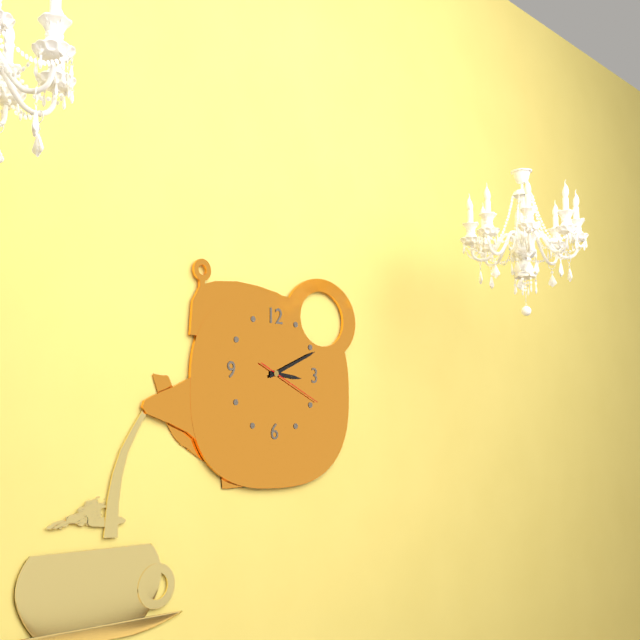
3:11:19
